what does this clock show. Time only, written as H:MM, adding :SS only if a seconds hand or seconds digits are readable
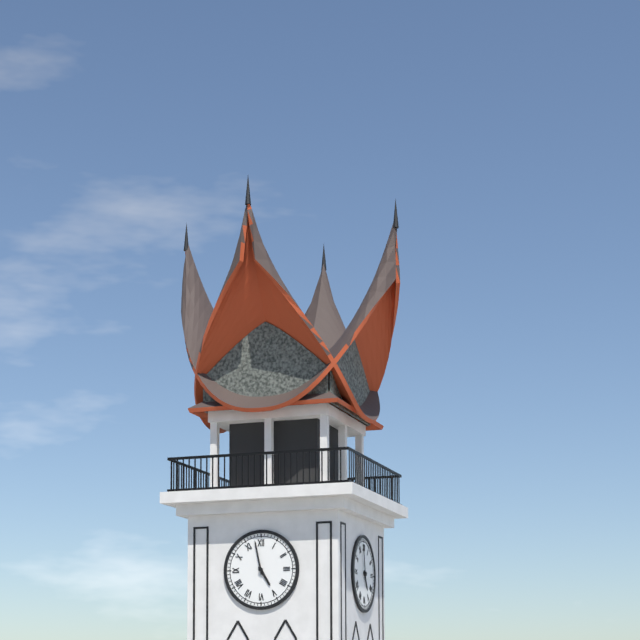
4:58
